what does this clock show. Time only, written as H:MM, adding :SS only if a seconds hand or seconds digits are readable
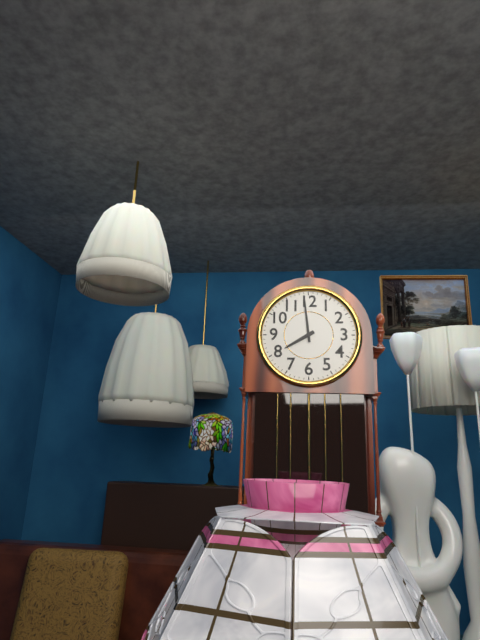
7:59
